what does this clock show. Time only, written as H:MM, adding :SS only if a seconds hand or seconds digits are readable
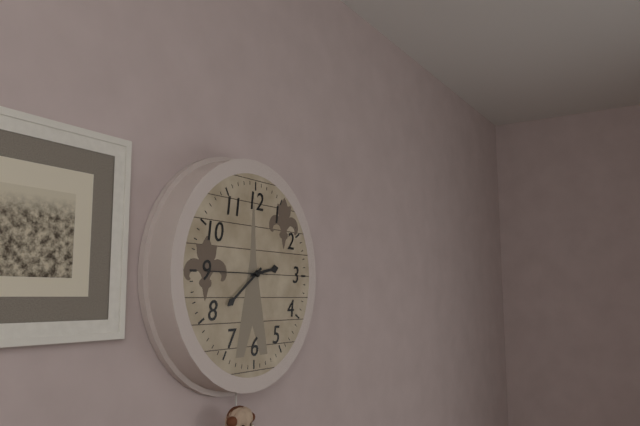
2:39:45
